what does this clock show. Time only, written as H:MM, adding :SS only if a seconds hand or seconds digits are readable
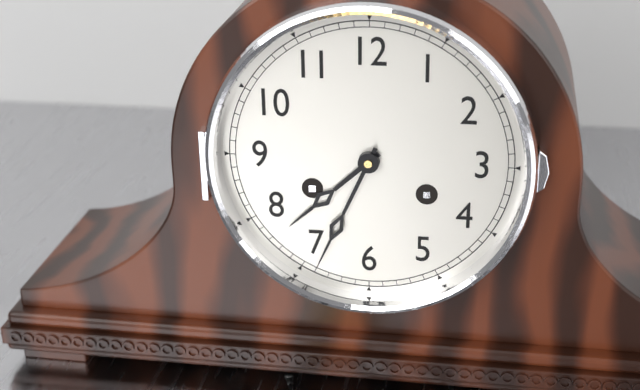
7:34
